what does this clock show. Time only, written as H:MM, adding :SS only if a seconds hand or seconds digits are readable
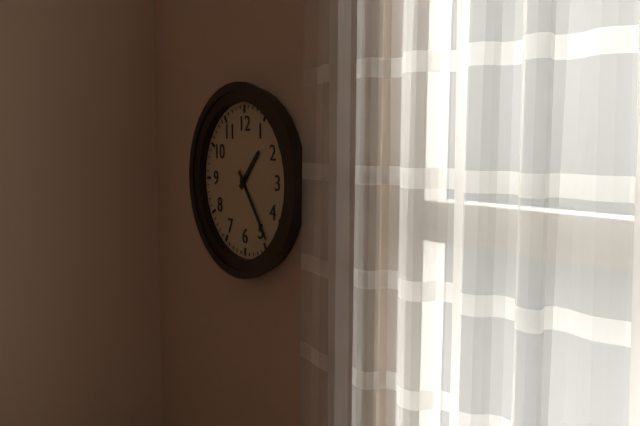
1:24
